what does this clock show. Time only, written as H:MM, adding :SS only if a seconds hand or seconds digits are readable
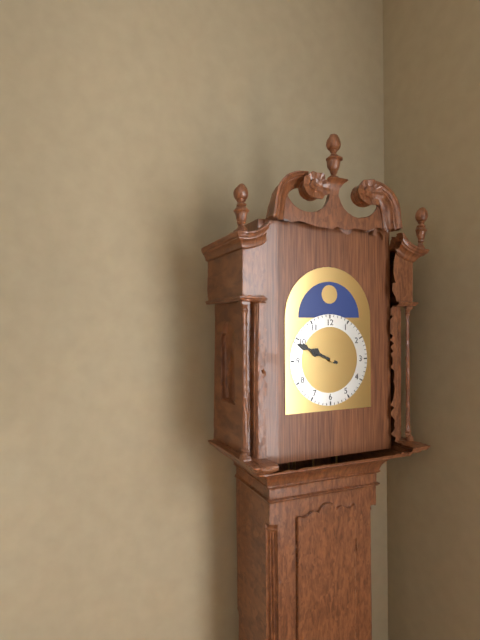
9:49
